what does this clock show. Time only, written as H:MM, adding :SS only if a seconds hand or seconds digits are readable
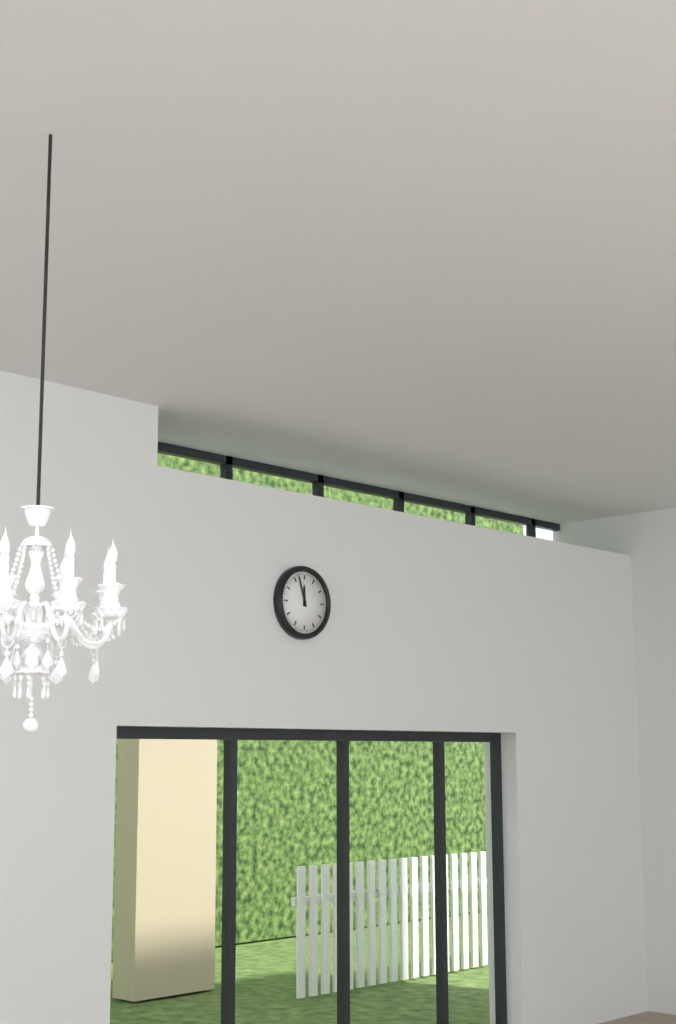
11:57
